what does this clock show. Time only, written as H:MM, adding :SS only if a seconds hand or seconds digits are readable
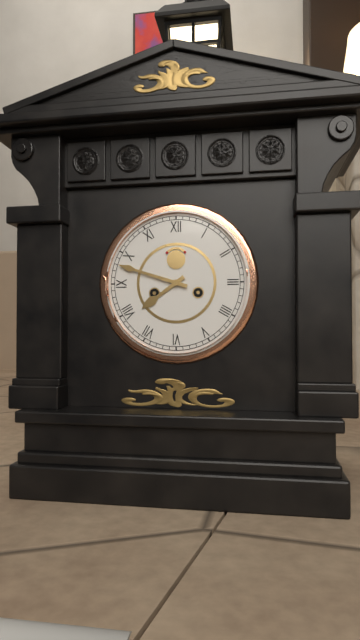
7:48
